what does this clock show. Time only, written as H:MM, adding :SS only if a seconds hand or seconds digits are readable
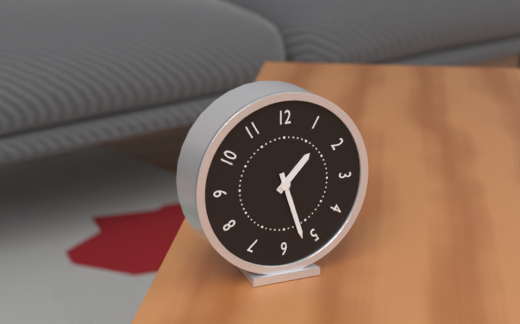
1:27
